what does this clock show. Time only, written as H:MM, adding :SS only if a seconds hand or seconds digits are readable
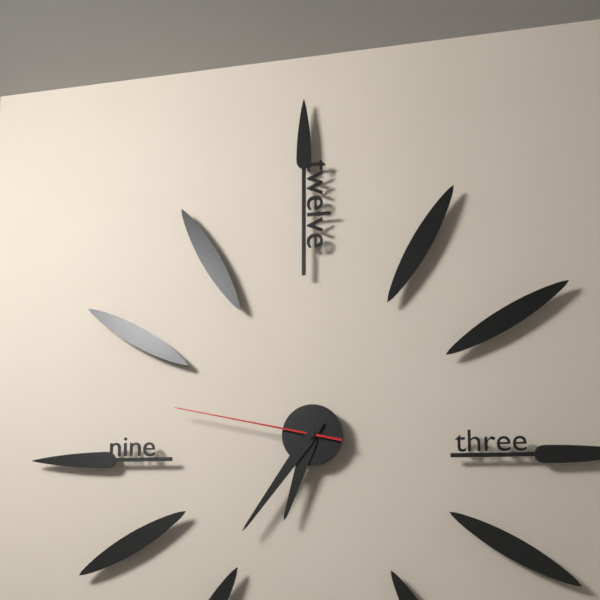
6:36:47
